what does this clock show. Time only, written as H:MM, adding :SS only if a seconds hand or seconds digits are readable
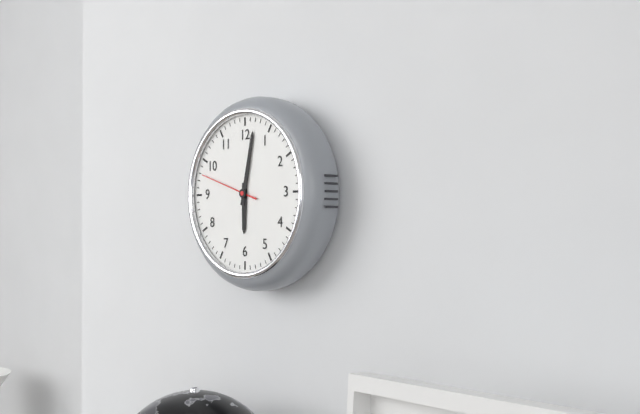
6:02:48
